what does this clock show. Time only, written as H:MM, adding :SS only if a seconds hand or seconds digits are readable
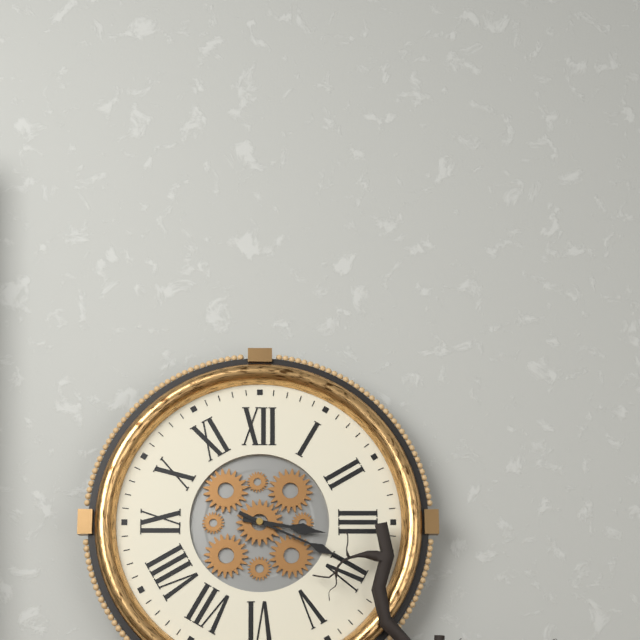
3:19
